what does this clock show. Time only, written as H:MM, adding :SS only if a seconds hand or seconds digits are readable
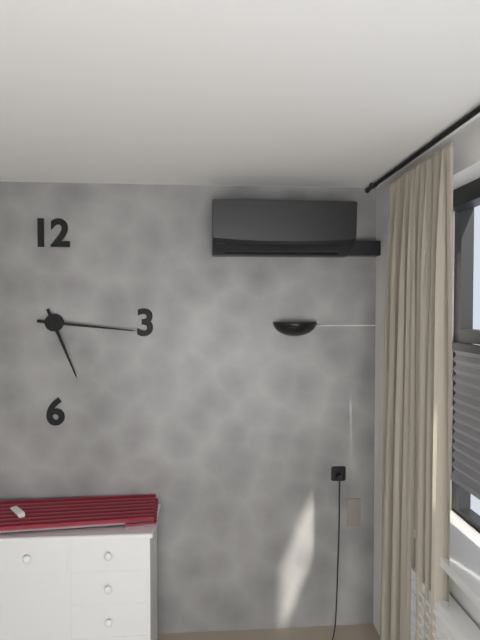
5:16
